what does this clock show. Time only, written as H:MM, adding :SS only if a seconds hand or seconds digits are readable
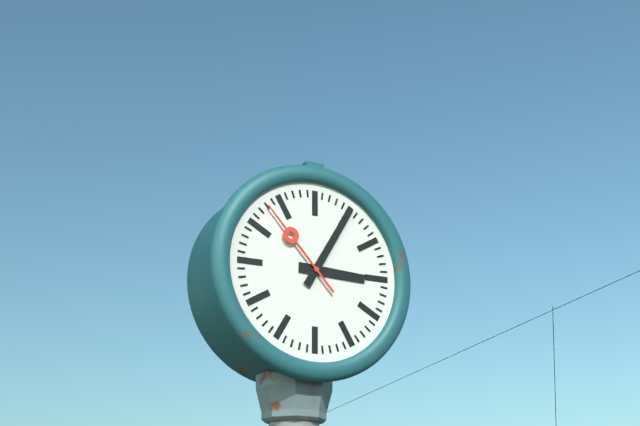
3:05:53
